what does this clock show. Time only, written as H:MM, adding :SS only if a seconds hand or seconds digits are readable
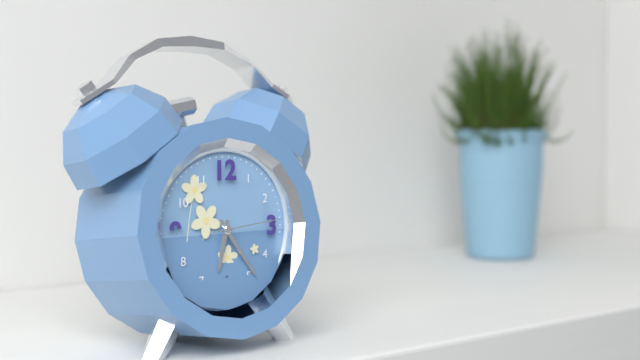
6:24:14
